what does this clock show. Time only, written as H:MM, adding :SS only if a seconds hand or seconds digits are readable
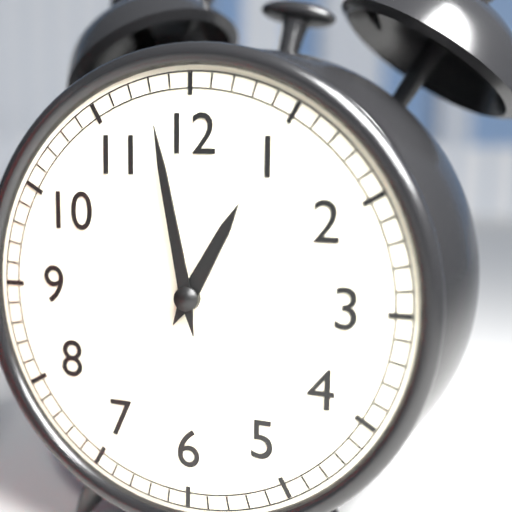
12:58
